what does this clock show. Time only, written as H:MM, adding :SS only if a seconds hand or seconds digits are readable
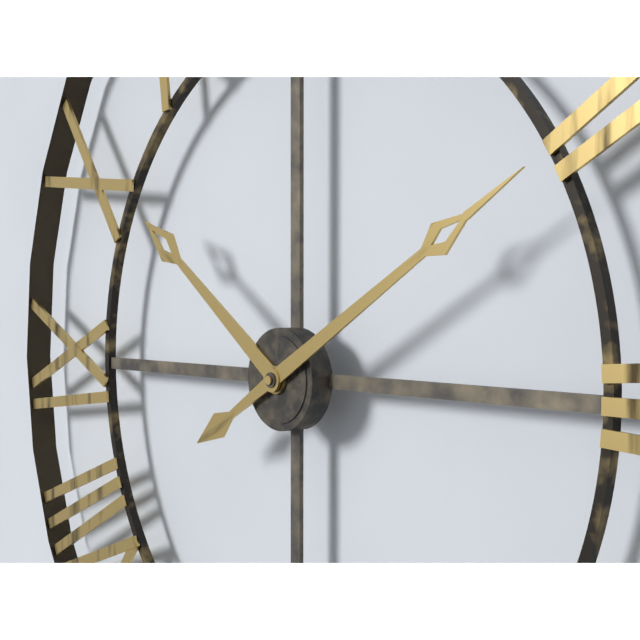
10:10
